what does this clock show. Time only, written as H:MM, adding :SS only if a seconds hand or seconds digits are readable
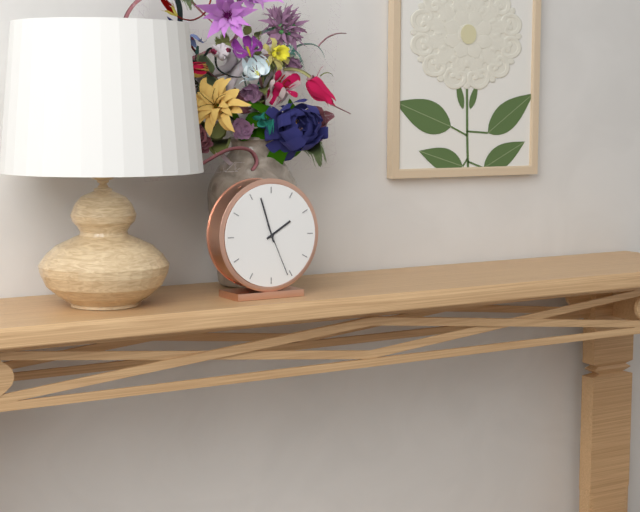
1:57:26
